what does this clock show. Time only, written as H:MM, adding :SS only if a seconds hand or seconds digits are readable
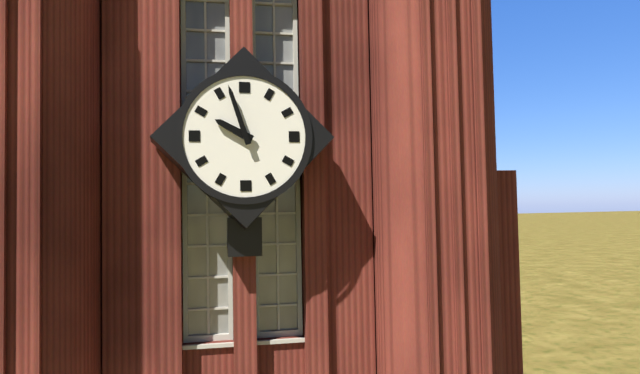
9:57
